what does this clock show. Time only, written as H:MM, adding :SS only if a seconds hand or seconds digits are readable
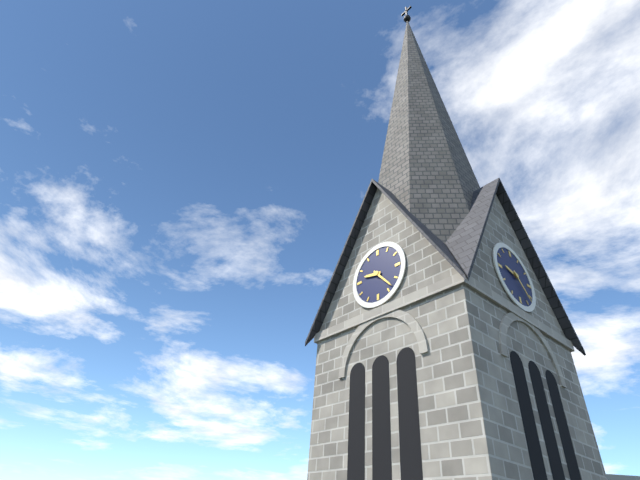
9:23
